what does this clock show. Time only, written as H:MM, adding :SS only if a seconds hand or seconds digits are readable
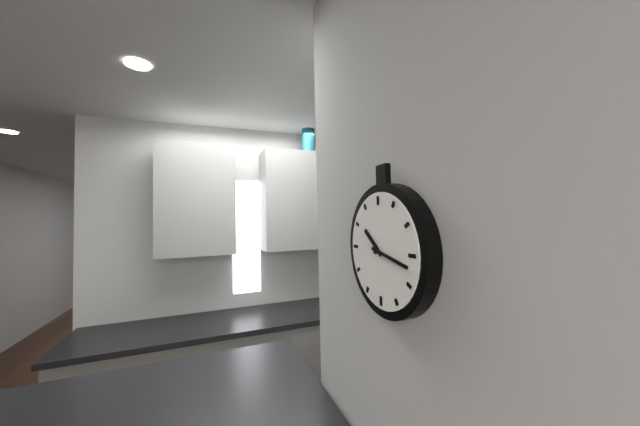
10:17
